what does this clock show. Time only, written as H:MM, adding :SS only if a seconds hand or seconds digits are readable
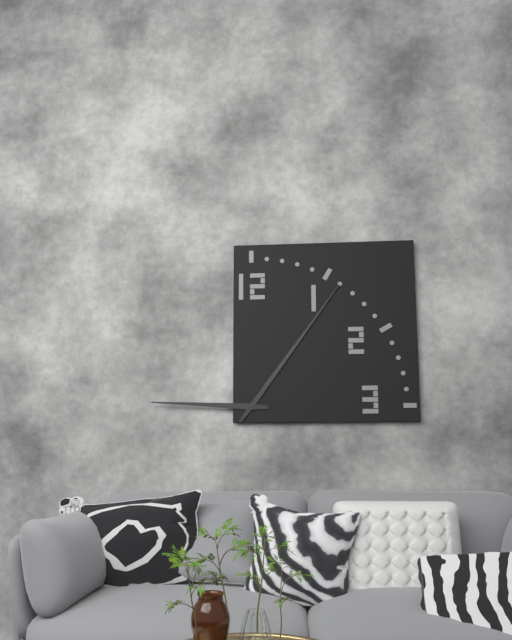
9:06
